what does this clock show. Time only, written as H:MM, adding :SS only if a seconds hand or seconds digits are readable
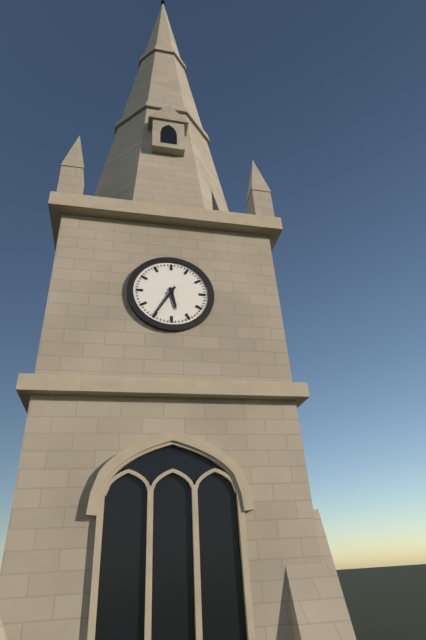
5:35
